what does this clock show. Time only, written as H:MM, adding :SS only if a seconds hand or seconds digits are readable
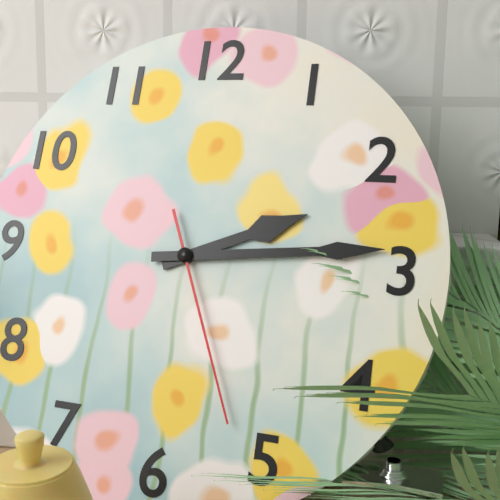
2:14:26
